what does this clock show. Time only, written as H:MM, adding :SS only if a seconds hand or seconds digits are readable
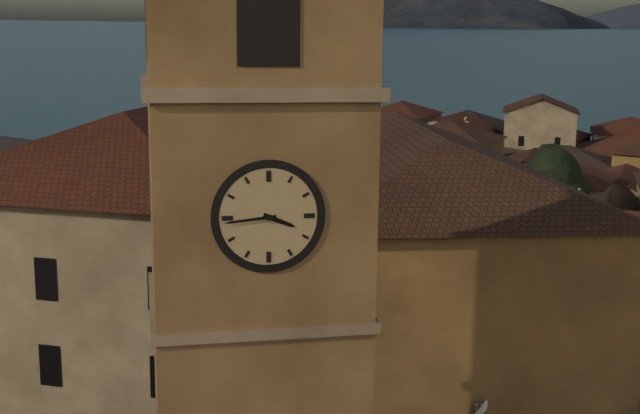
3:44
